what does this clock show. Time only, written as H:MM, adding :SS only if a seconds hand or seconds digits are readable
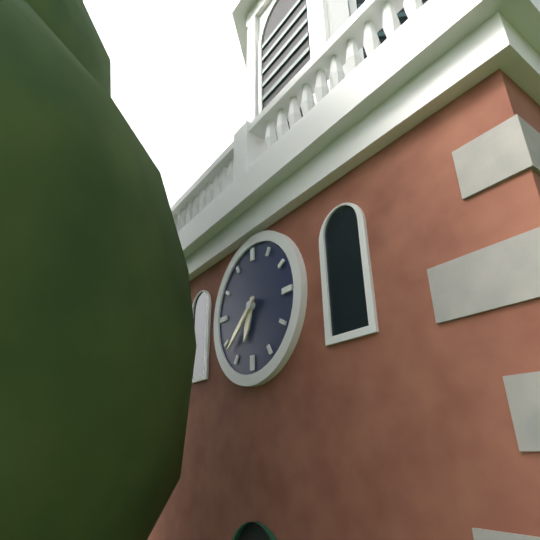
6:38
